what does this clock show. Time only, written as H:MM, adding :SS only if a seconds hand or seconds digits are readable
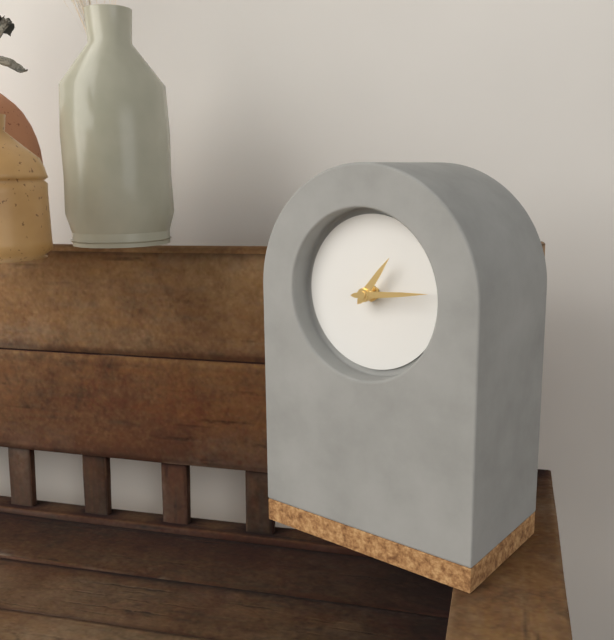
1:14
